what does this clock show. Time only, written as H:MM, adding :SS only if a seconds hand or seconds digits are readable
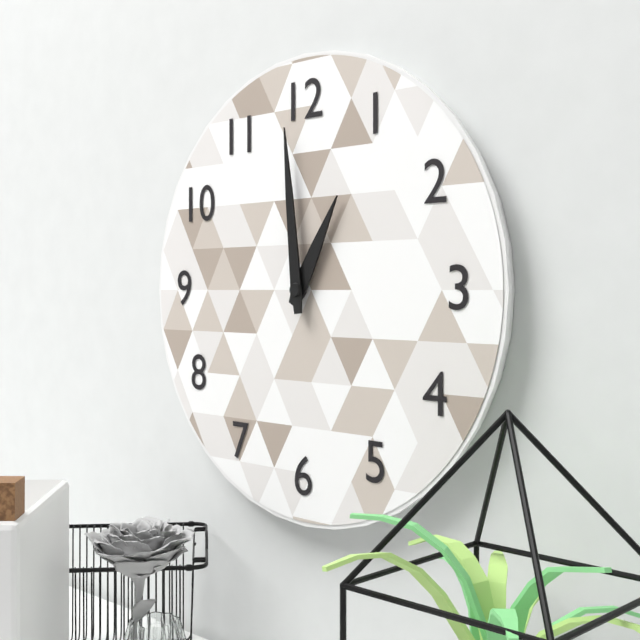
12:59
